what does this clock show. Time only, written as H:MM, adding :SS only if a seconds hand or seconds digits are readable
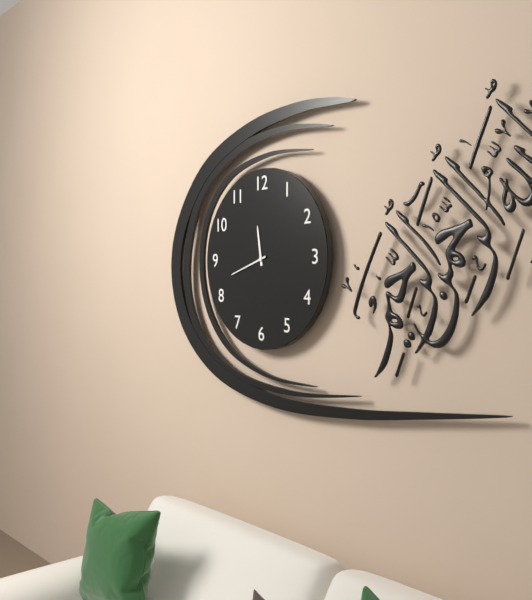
11:42
